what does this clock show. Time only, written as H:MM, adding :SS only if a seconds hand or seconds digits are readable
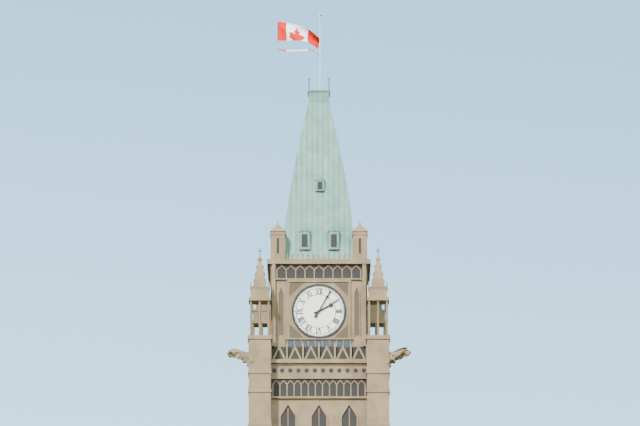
2:05
